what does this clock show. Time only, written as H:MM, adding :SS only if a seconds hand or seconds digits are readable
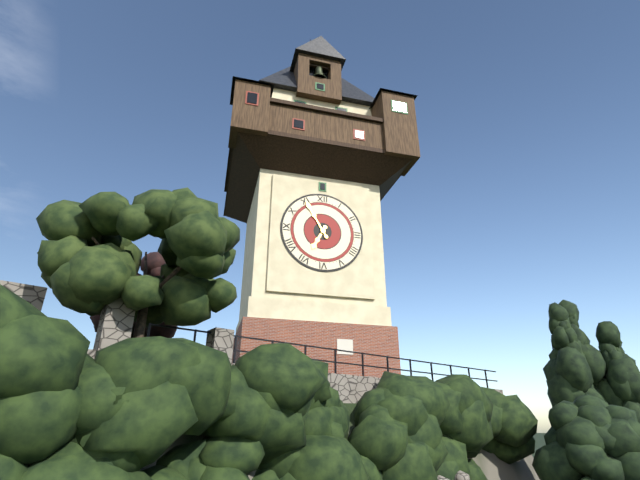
6:55
